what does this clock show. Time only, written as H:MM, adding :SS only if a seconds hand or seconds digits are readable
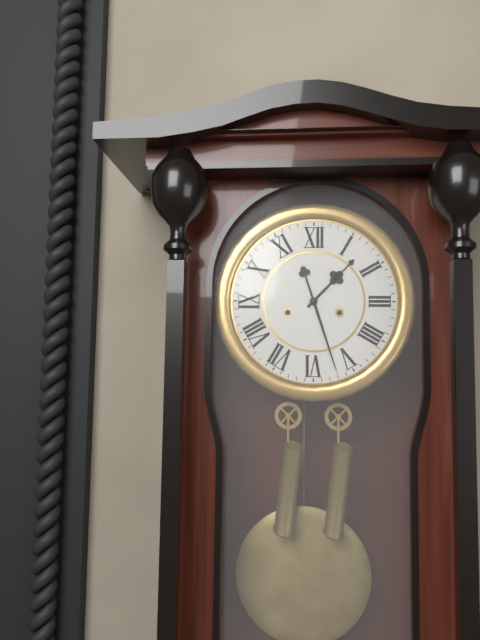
1:27
